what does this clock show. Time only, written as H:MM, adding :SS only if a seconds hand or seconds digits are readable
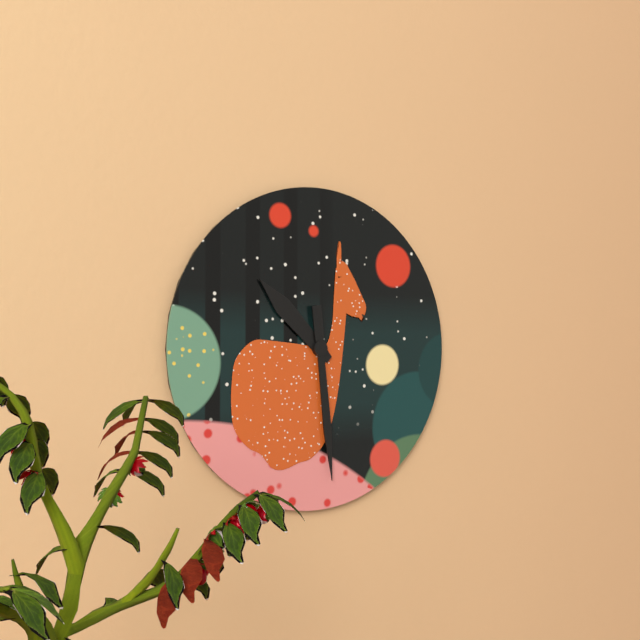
10:29
